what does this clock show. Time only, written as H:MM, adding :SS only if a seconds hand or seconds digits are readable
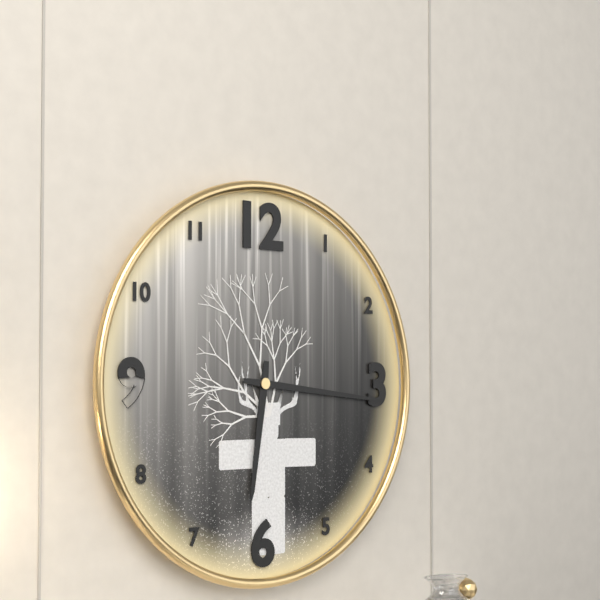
6:16
